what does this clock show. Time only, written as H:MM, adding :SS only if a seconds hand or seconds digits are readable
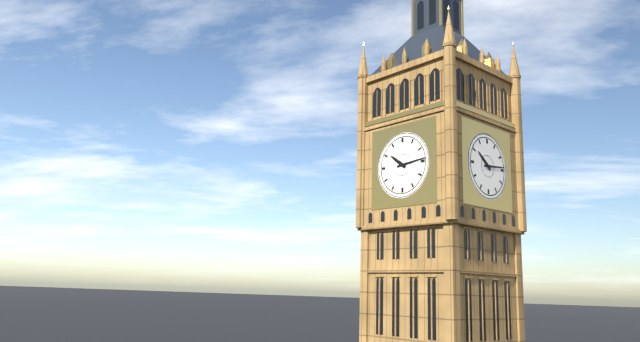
10:14
